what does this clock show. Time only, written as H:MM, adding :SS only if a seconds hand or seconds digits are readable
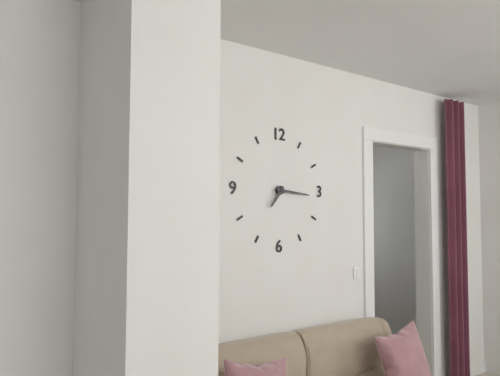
7:16
